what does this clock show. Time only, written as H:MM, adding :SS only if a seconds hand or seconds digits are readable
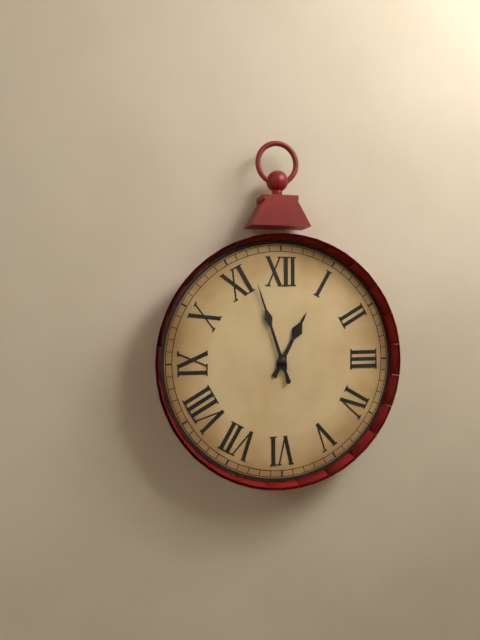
12:57
